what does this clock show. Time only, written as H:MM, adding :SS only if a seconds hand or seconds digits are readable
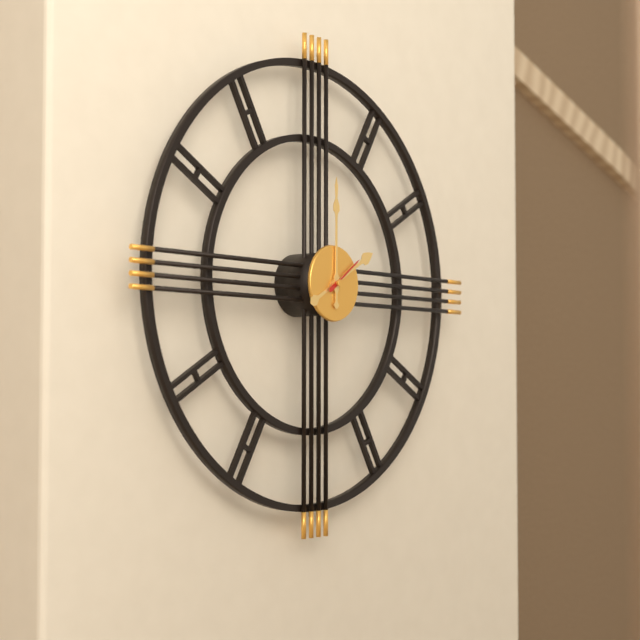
2:00
